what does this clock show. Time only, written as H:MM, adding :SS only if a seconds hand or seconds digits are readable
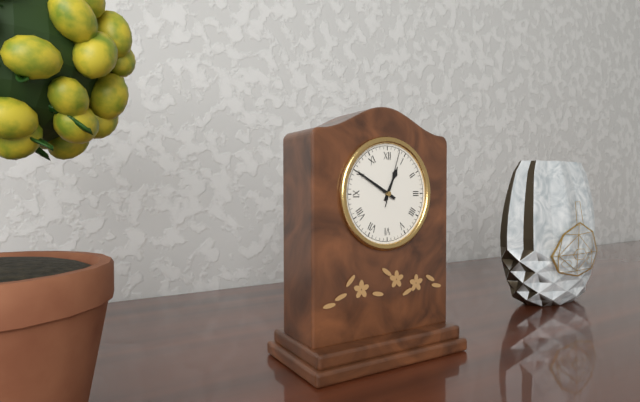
12:50:03
